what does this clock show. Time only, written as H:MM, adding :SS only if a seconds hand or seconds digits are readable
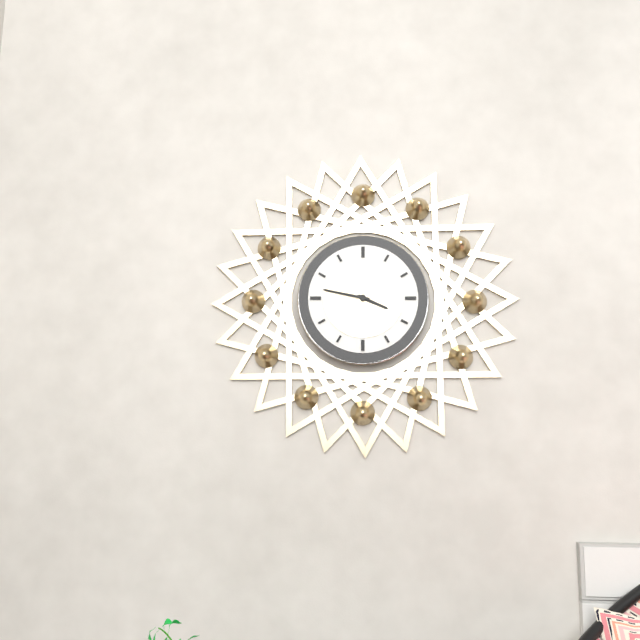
3:47
